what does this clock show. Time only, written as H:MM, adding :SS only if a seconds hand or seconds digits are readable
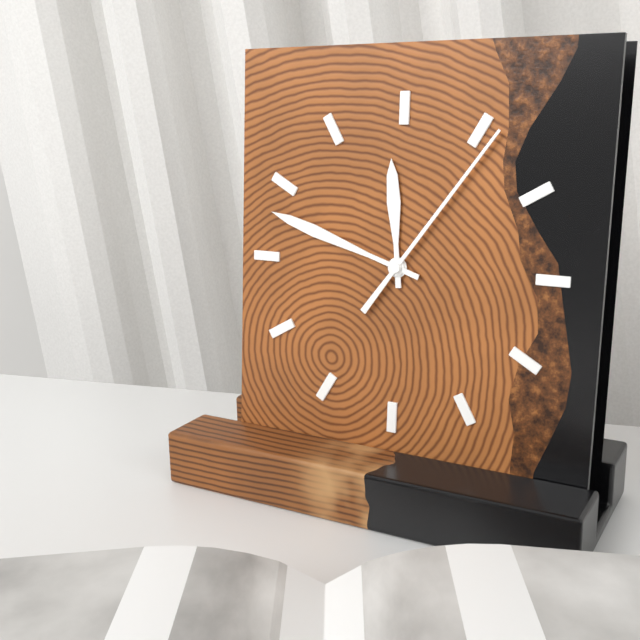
11:48:06
